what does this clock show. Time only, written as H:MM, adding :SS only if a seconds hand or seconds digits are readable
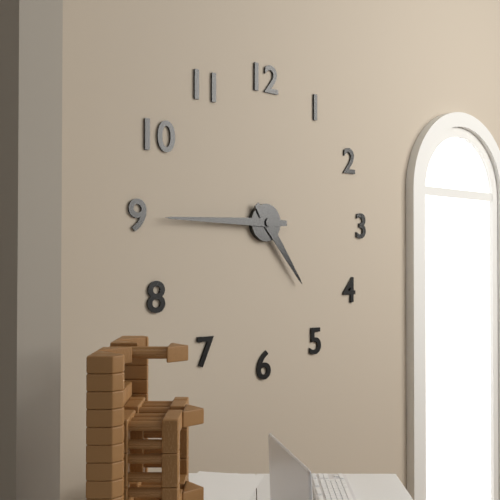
4:45
